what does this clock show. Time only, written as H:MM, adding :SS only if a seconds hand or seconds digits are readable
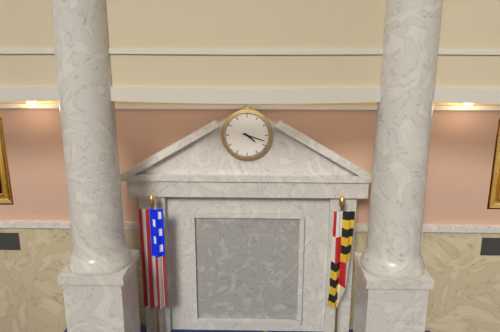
4:18
